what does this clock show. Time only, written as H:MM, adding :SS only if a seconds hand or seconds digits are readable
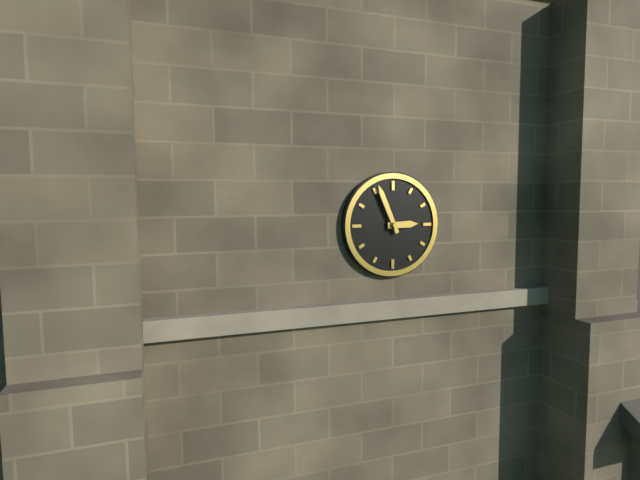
2:56
